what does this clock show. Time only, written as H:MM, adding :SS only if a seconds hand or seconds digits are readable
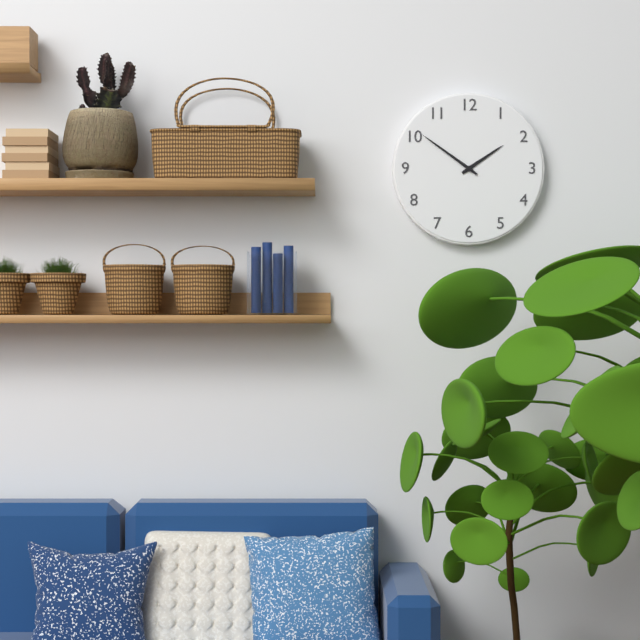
1:51
